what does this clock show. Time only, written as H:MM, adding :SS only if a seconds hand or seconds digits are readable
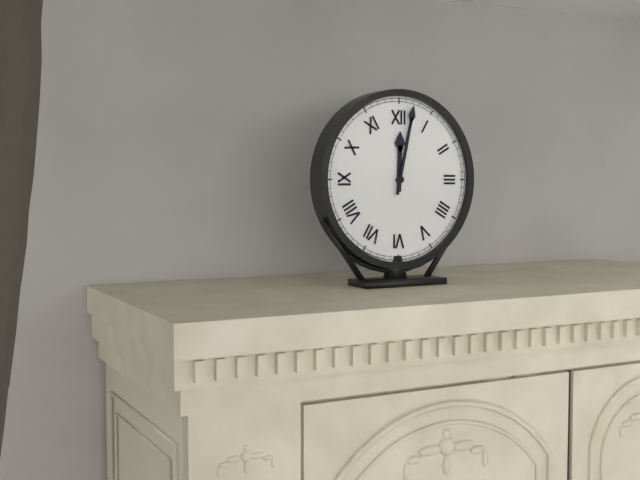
12:02
